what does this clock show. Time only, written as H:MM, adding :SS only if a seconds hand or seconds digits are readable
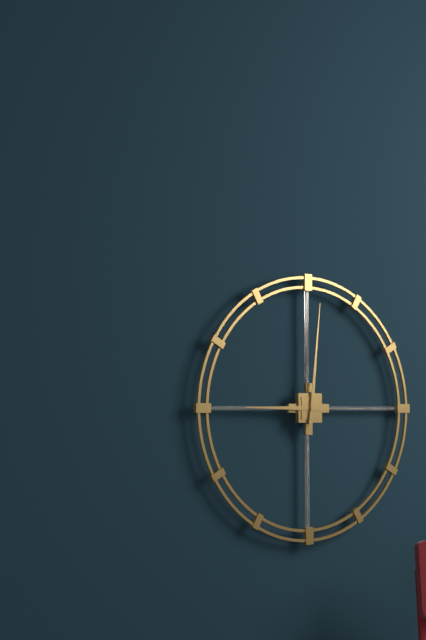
9:01
